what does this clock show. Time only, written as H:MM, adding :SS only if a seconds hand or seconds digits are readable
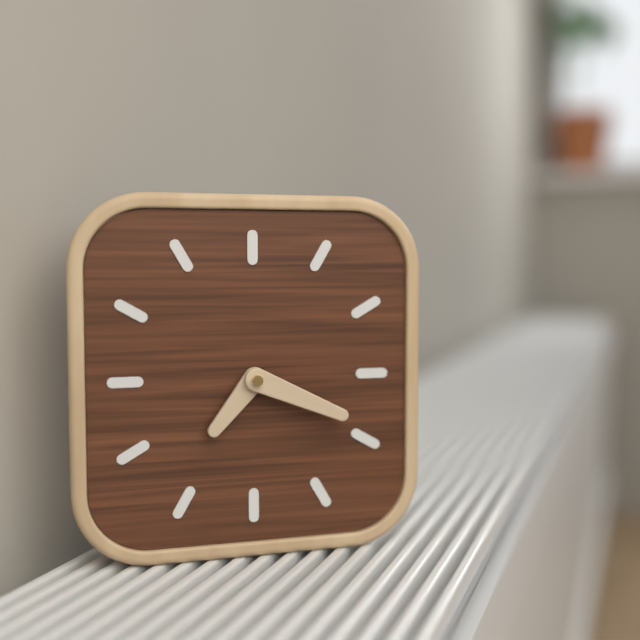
7:19
